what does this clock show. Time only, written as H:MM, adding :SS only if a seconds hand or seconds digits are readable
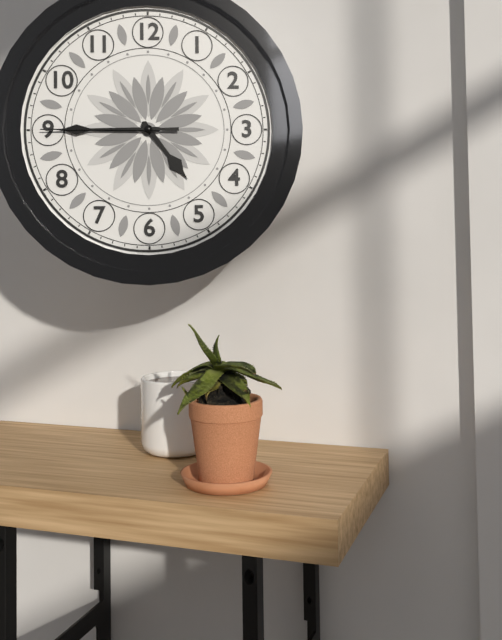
4:45:45
